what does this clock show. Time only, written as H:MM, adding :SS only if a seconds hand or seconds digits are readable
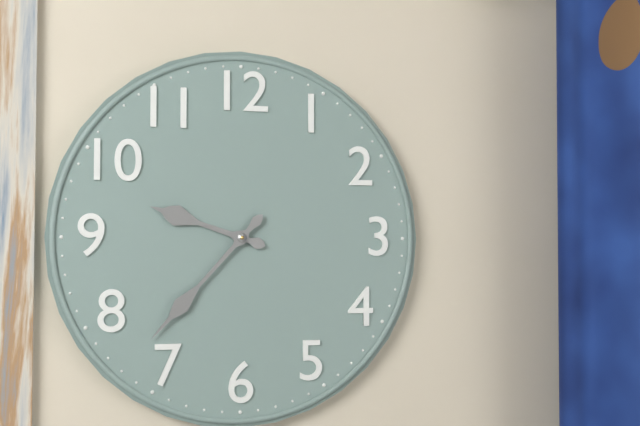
9:37
